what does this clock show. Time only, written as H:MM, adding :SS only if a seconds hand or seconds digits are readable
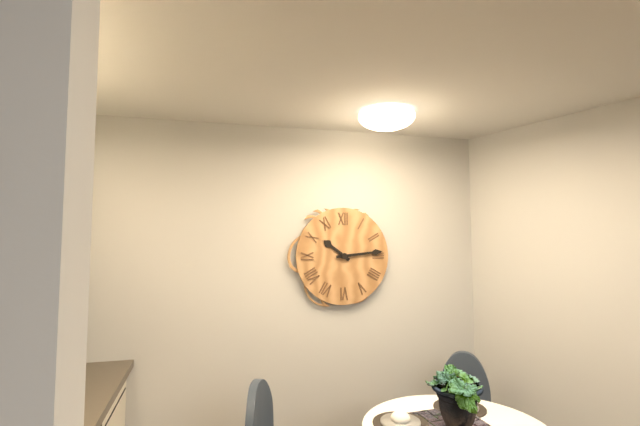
10:14
